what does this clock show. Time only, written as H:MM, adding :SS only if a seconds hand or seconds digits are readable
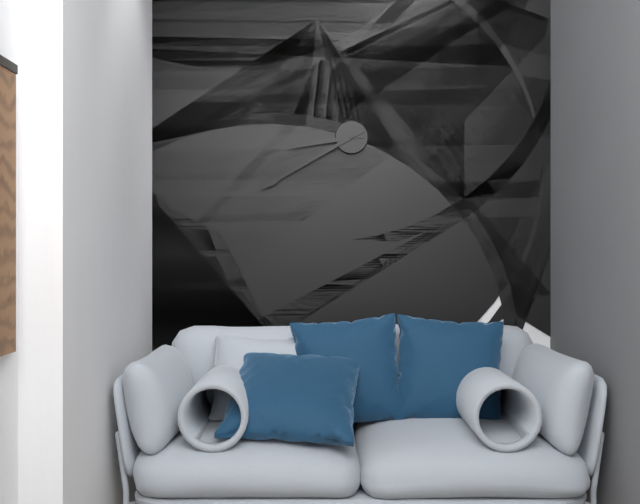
8:40
